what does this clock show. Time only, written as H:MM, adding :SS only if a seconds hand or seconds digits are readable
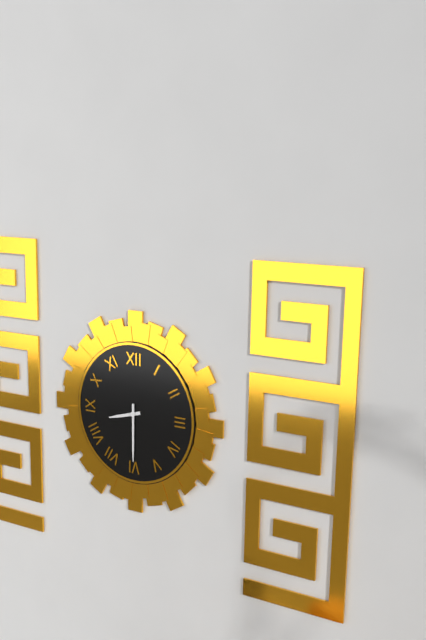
8:30
